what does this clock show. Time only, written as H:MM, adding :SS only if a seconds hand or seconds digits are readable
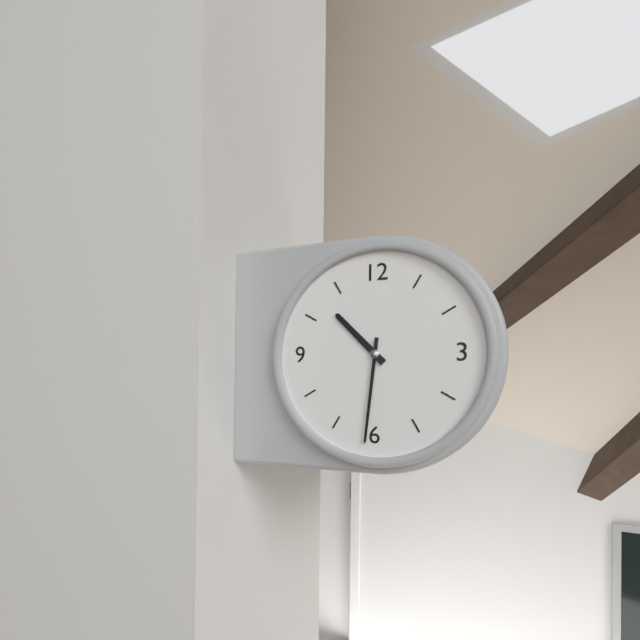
10:31
